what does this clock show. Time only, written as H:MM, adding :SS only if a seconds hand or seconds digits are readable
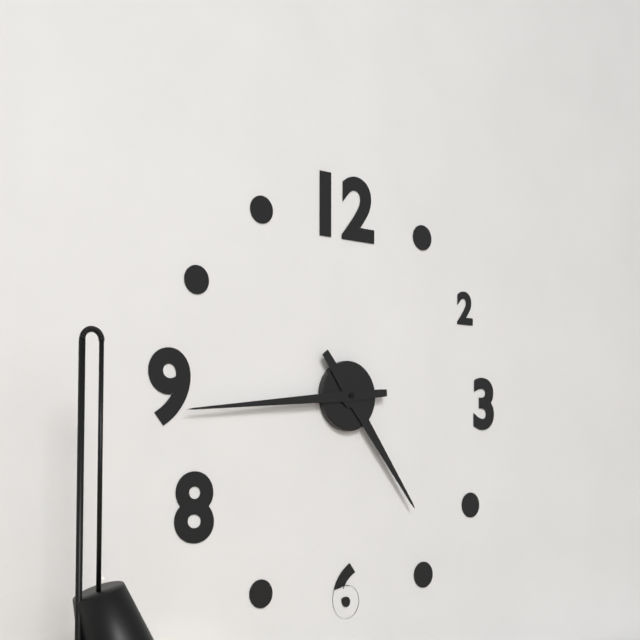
4:44
